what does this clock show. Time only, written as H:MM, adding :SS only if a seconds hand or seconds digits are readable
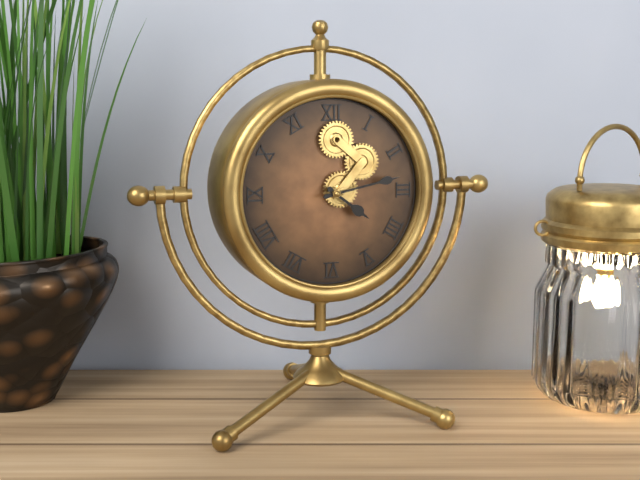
4:13
